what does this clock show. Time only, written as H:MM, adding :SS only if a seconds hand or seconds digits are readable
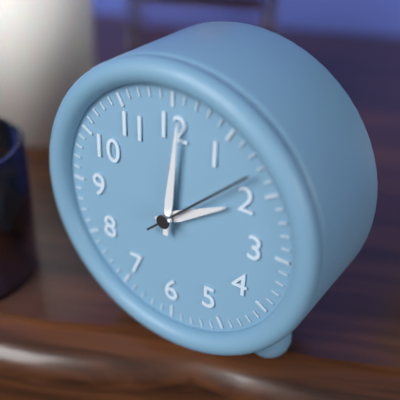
2:01:08
